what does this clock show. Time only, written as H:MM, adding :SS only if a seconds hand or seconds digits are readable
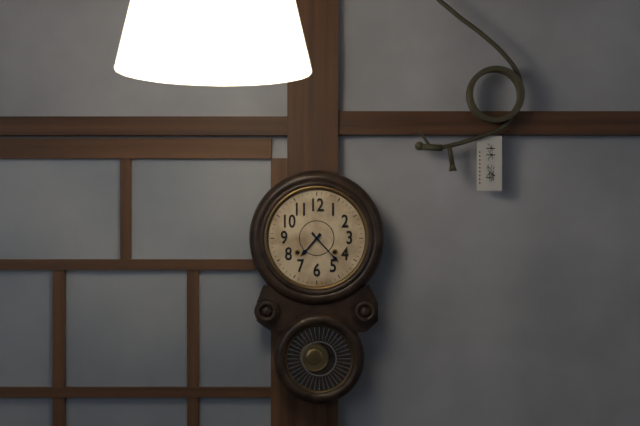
7:23
